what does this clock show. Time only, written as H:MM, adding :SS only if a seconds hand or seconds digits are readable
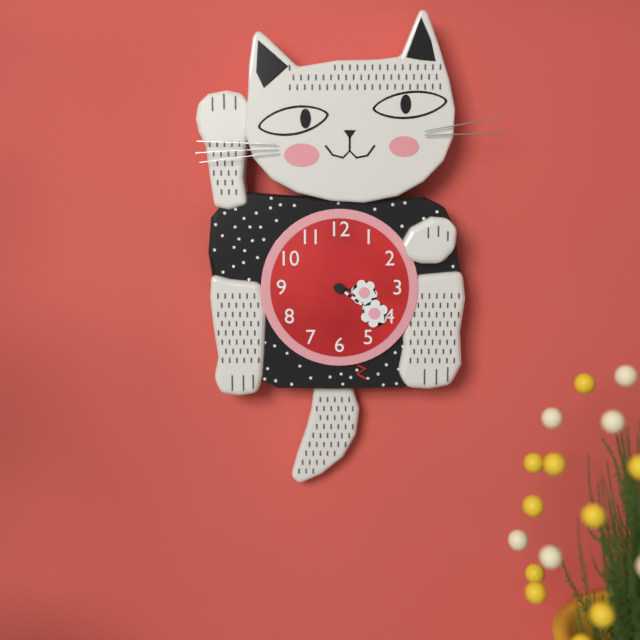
3:21
